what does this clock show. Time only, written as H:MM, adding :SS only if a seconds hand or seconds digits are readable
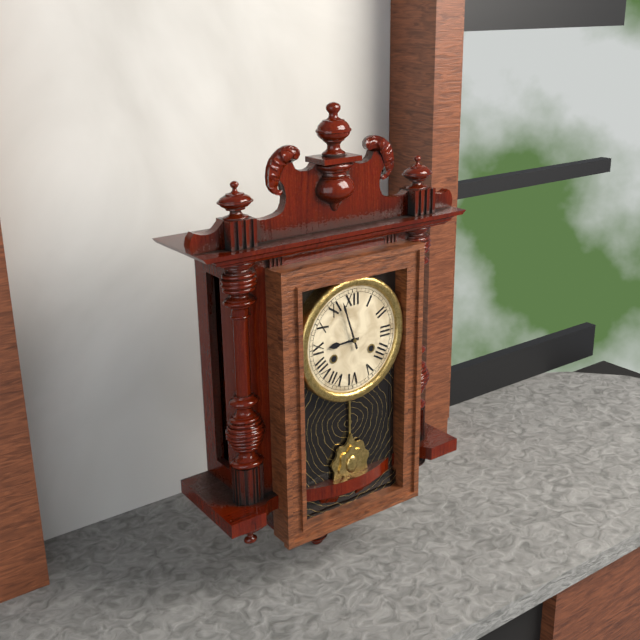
8:57
